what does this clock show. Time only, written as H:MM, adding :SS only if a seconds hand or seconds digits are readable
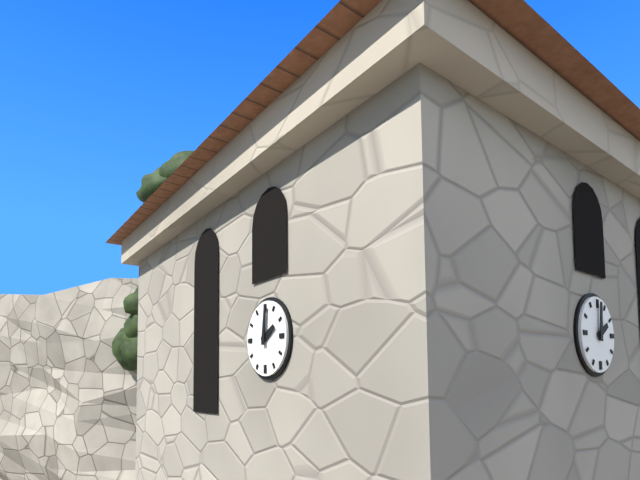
2:01
